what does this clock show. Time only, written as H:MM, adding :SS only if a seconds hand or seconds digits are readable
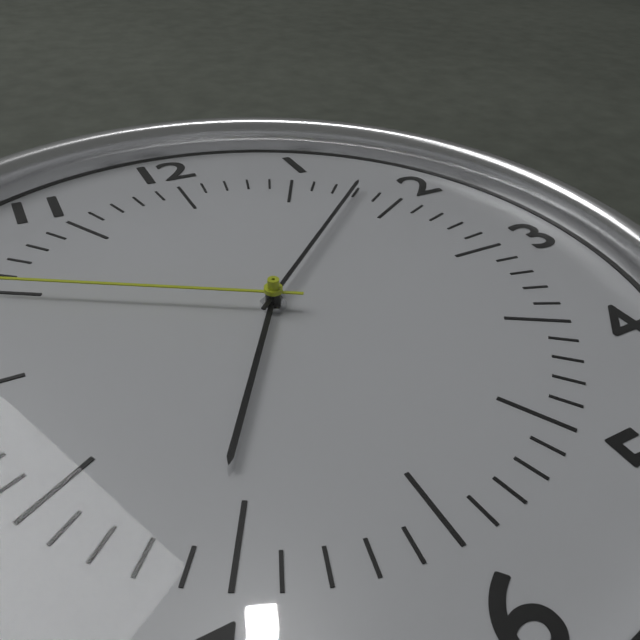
7:08
